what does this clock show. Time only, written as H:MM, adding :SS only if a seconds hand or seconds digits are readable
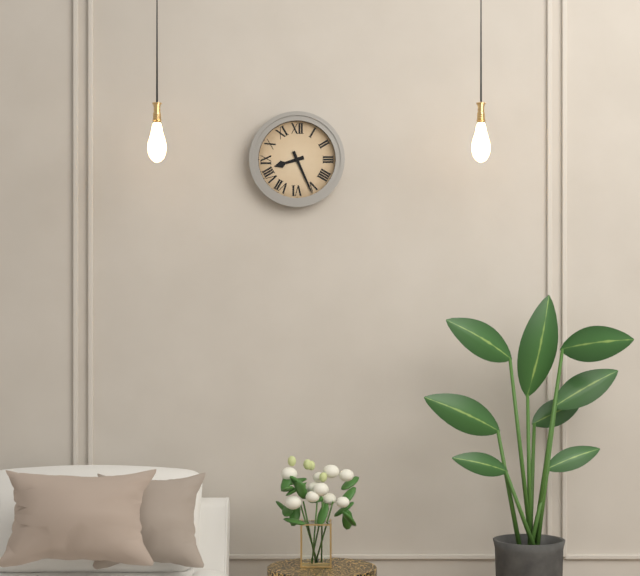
8:26
